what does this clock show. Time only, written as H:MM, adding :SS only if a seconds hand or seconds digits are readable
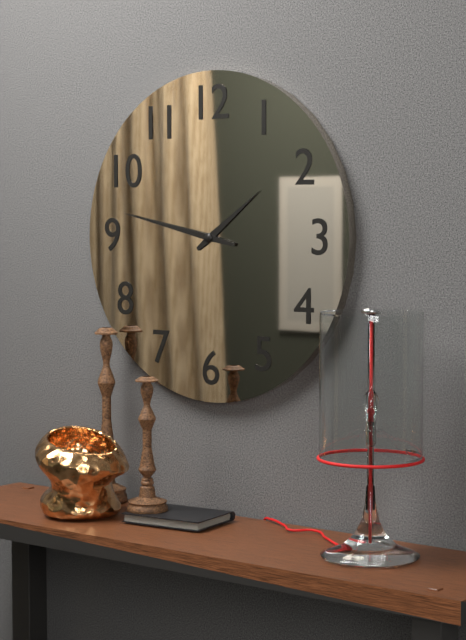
1:47
